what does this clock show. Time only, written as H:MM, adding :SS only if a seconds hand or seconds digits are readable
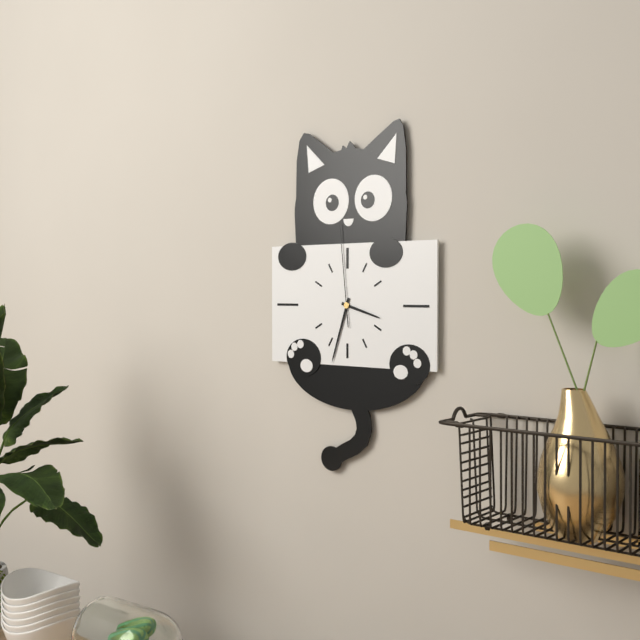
3:33:59
